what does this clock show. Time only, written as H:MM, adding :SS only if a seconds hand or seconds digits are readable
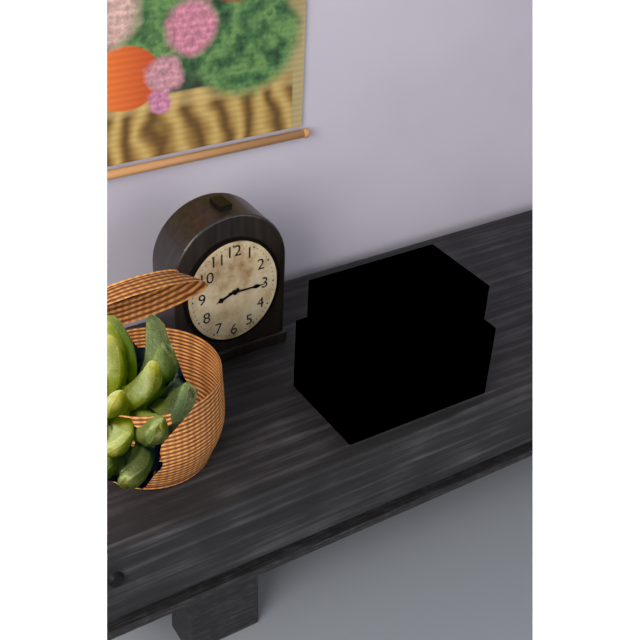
8:15
